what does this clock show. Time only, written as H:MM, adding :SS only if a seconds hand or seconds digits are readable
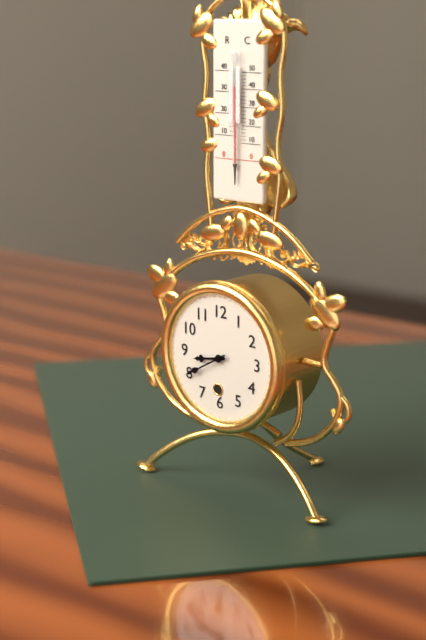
8:40
